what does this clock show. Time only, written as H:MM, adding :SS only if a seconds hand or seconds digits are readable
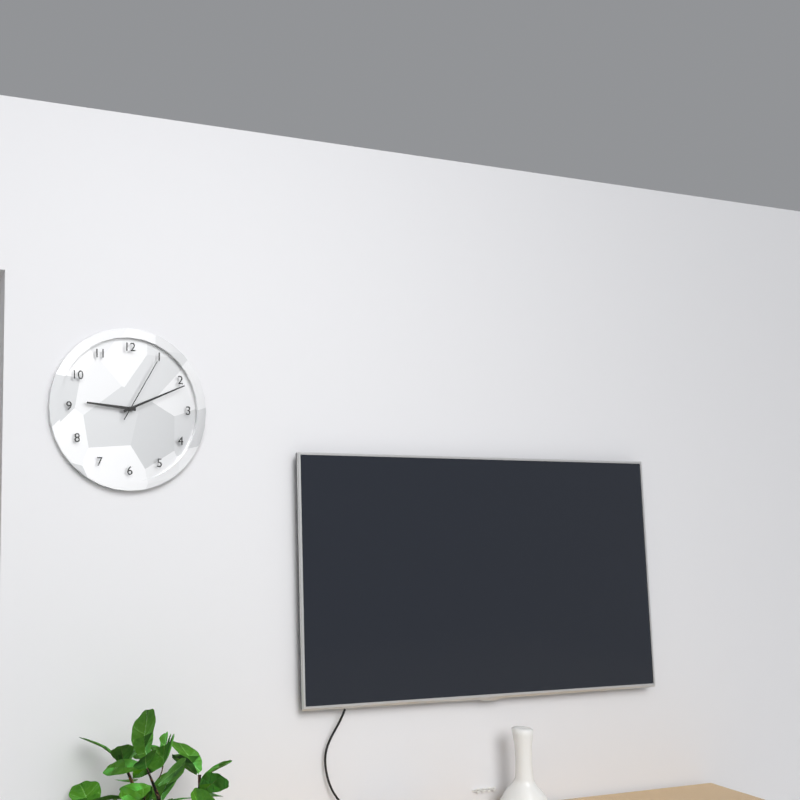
9:11:05
